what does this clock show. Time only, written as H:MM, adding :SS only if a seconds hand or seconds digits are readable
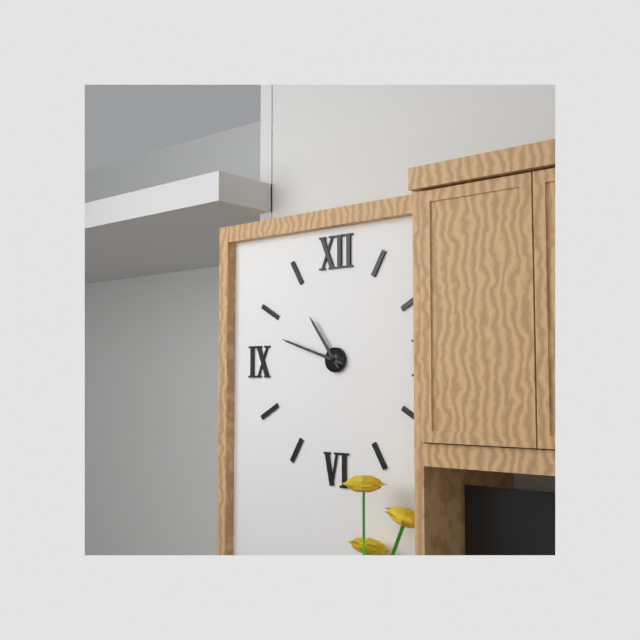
10:48
